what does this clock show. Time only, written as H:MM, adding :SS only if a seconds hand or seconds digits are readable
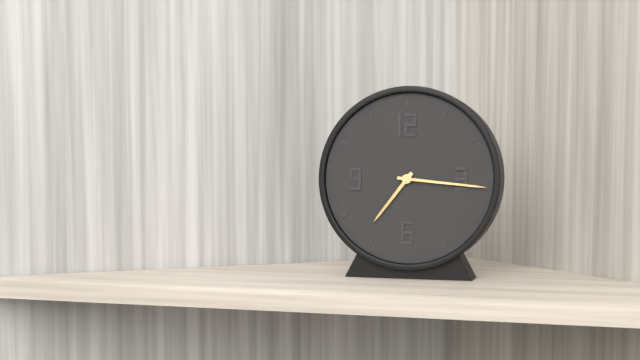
7:16
